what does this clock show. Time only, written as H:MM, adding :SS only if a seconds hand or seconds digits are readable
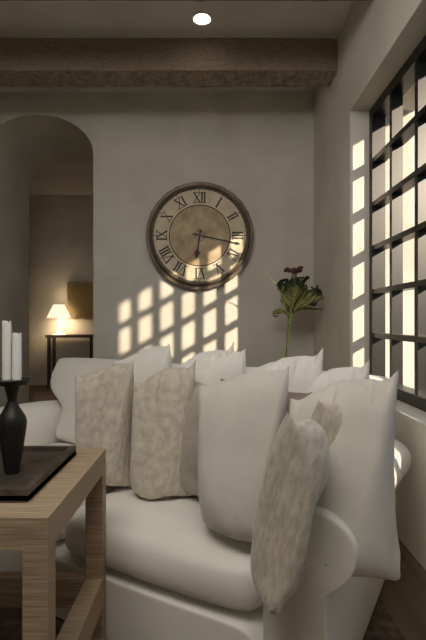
6:17
